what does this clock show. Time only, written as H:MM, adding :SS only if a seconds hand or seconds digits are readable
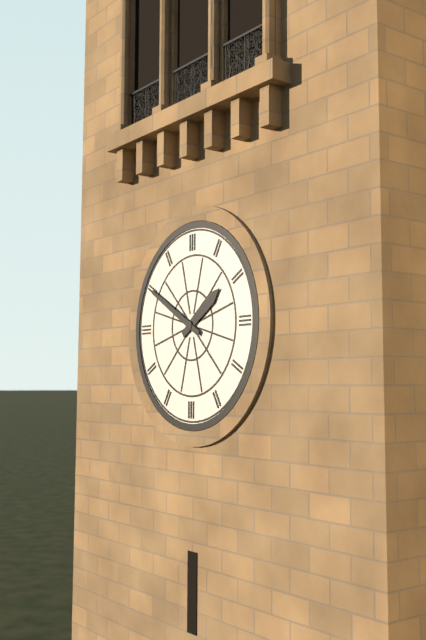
1:50
